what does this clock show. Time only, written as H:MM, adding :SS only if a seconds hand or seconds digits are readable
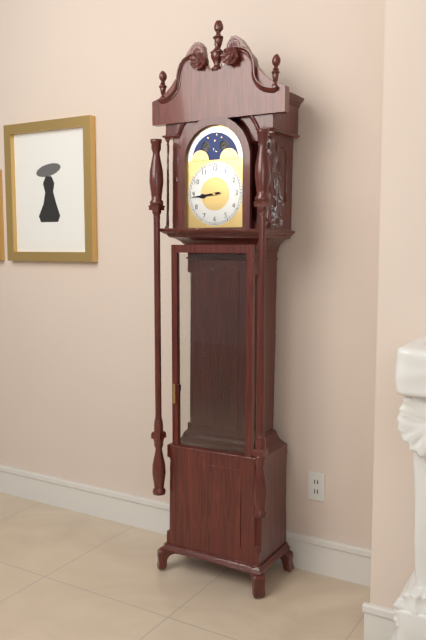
8:44
